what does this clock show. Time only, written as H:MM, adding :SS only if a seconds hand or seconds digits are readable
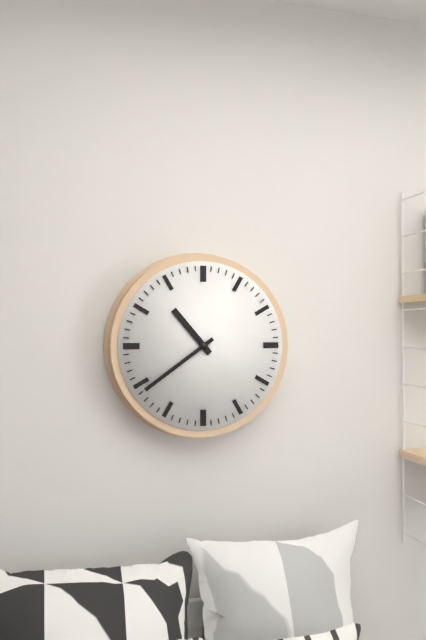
10:39
